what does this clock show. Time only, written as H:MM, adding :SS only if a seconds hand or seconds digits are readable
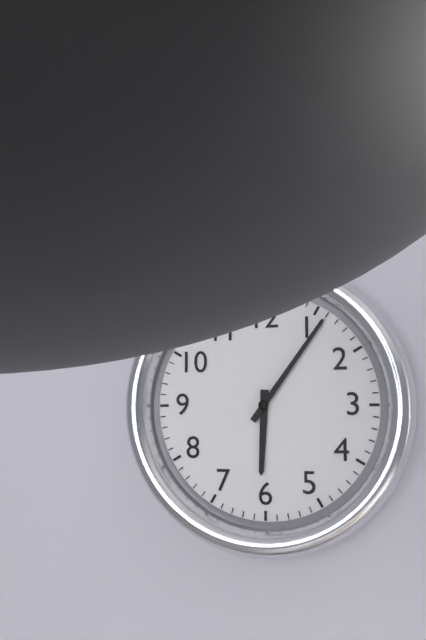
6:06
